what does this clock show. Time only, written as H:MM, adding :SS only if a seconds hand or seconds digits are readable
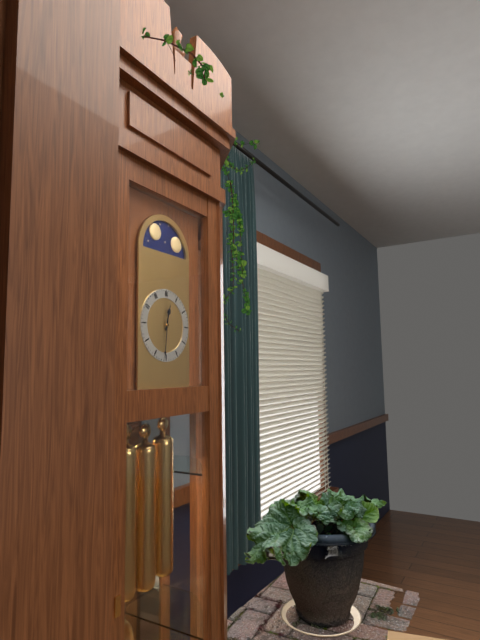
12:31
